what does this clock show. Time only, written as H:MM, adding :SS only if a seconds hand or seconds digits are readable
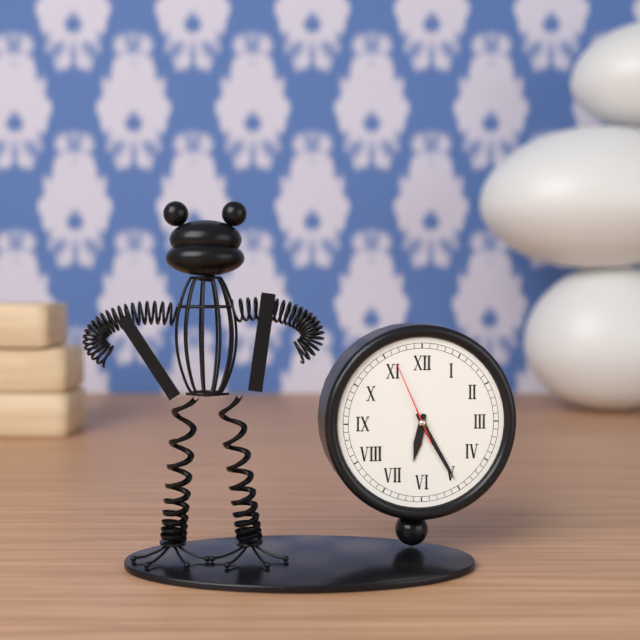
6:25:56
